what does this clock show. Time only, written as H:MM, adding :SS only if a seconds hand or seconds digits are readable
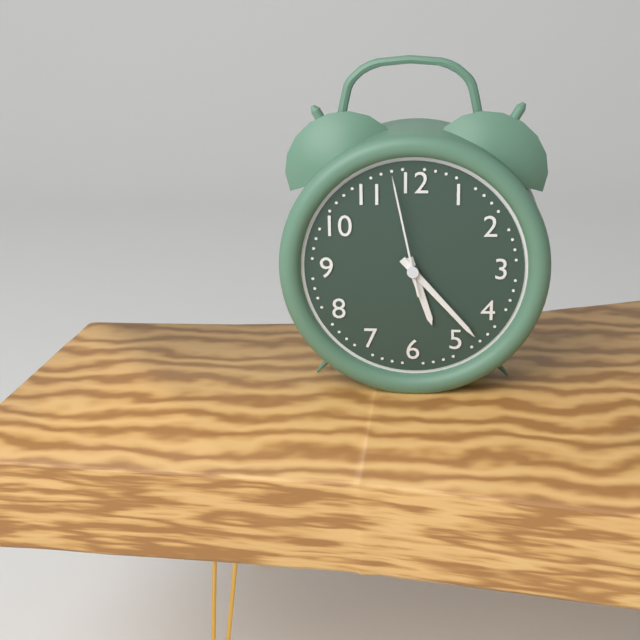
5:23:58
